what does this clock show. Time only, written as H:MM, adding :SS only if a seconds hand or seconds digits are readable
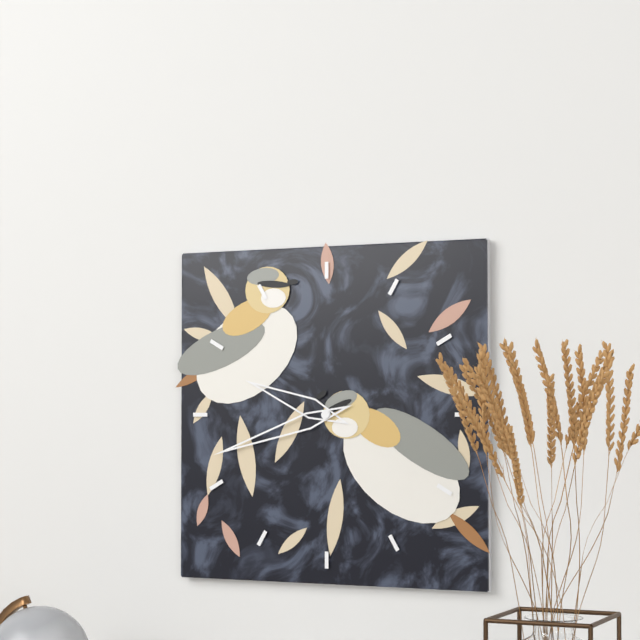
9:42
